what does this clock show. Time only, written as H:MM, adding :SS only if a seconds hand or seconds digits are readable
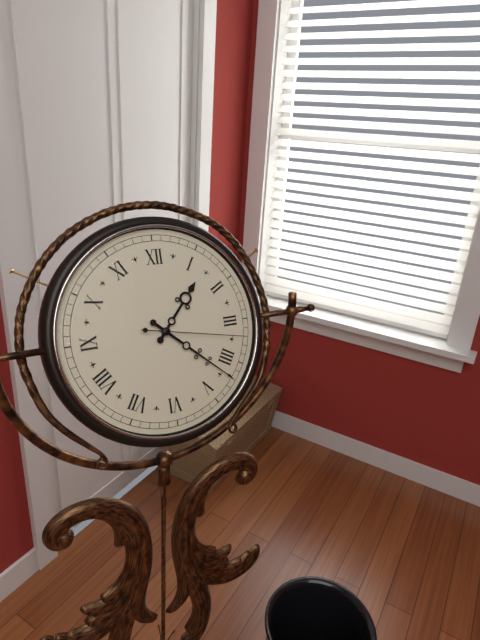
1:22:17
